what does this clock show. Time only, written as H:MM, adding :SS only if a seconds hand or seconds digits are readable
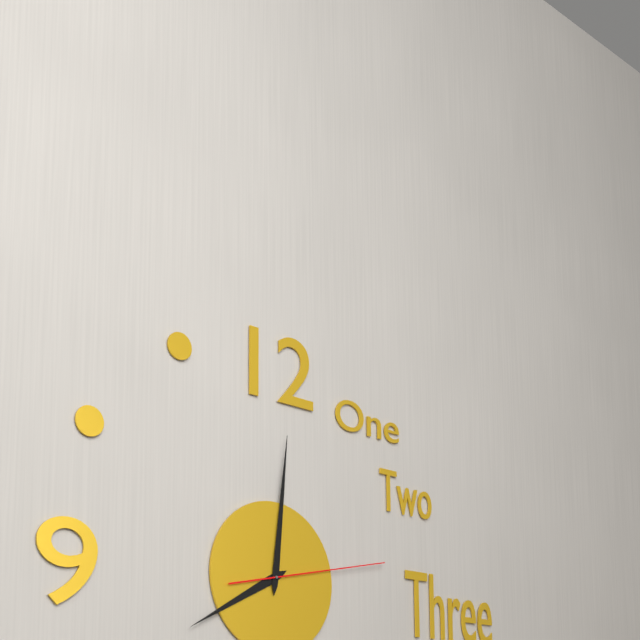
8:01:13
